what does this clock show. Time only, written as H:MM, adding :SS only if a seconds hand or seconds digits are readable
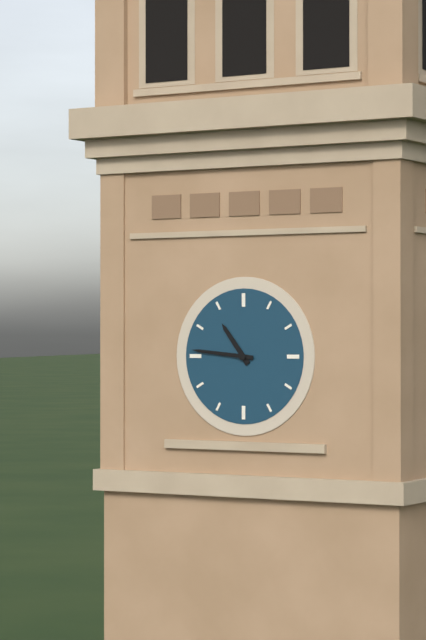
10:46
